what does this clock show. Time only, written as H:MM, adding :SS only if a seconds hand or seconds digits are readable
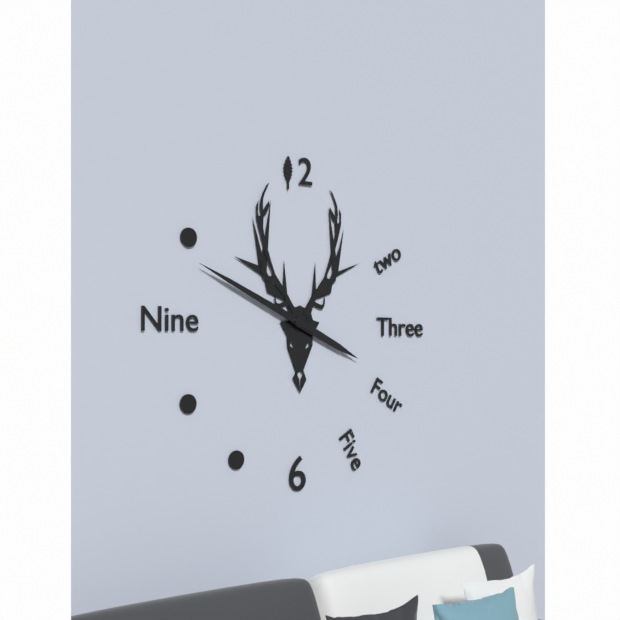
3:49
